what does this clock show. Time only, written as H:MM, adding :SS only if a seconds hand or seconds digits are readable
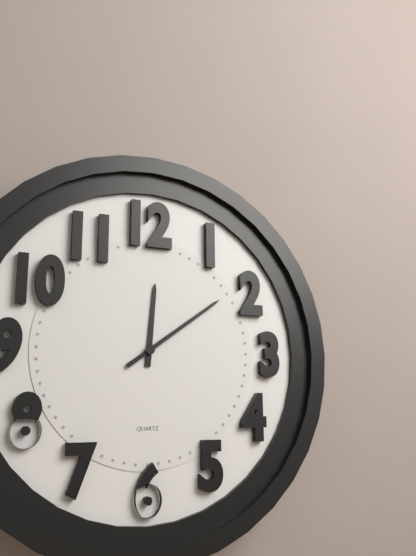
12:09
